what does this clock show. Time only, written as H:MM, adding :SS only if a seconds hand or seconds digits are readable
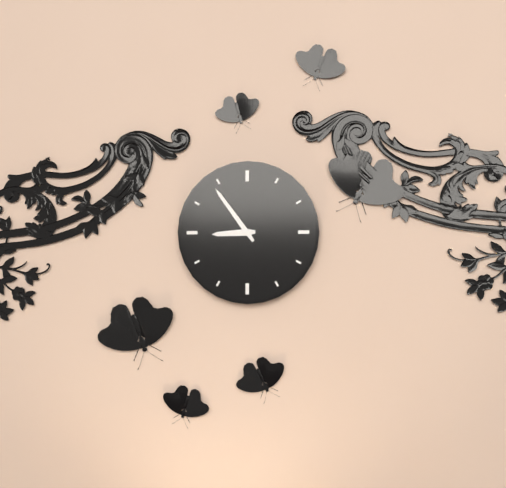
8:54
